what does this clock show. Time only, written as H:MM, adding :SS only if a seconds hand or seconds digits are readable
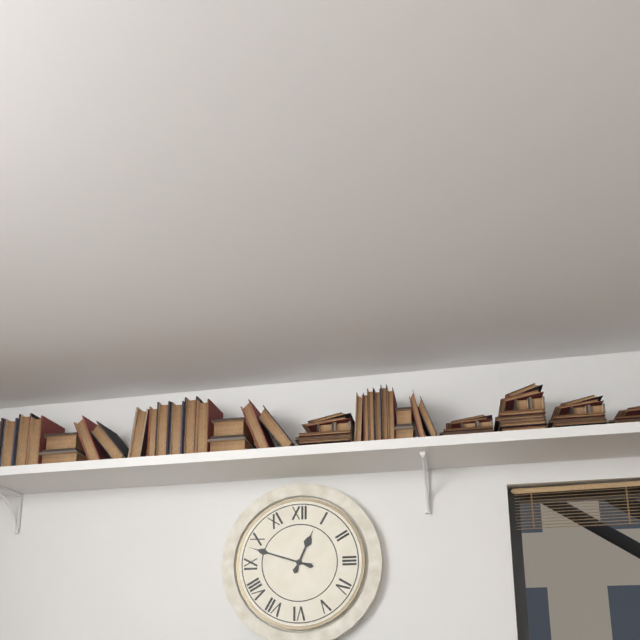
12:48
